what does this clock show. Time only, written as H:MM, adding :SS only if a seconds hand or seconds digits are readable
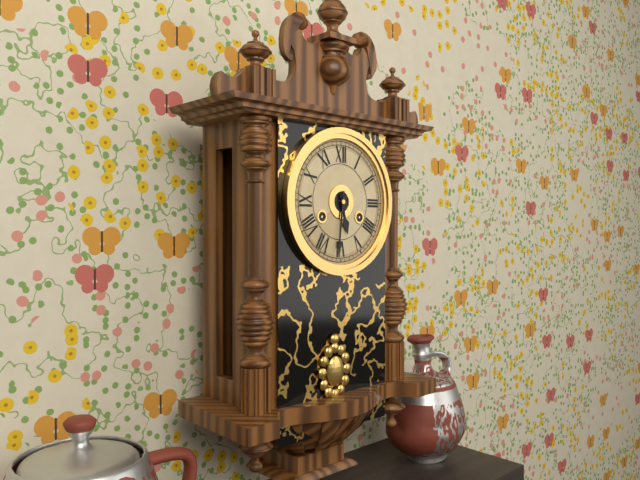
5:31
